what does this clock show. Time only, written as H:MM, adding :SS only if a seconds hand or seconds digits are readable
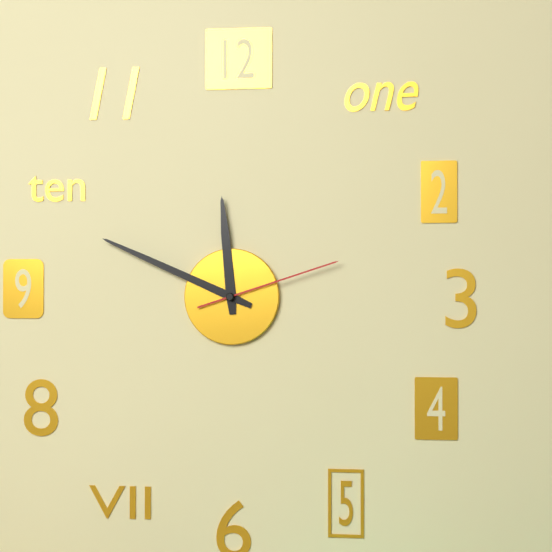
11:49:12
